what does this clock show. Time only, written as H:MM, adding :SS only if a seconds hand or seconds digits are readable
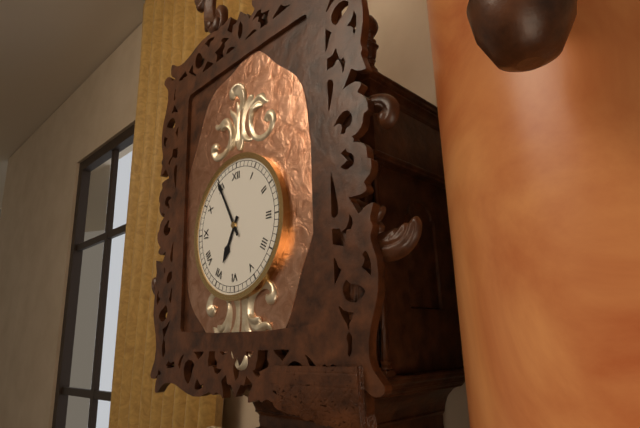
6:55
